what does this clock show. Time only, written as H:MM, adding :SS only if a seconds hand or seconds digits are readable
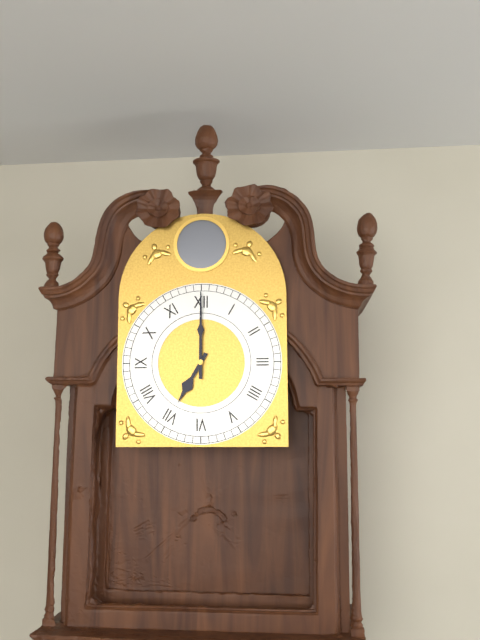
7:00
